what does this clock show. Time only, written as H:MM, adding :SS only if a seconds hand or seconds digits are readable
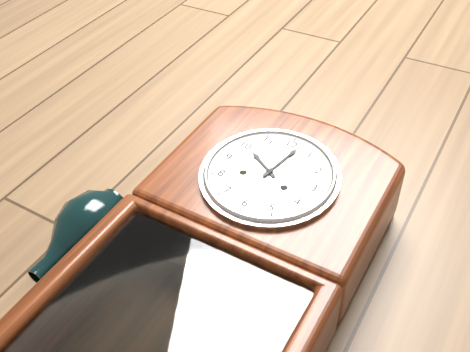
10:02
